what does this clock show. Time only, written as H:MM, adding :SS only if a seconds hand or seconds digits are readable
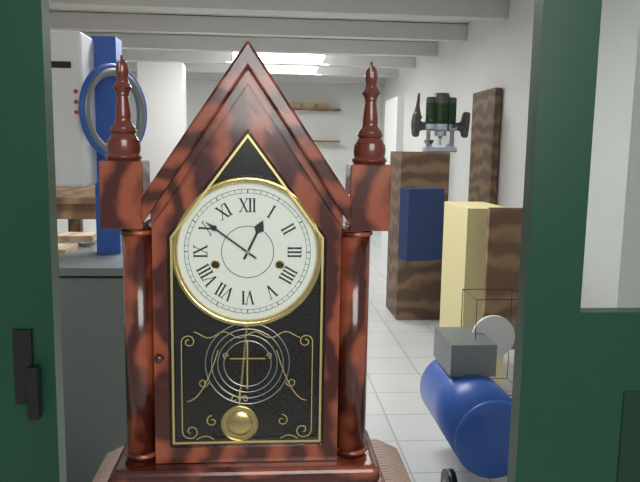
12:51
